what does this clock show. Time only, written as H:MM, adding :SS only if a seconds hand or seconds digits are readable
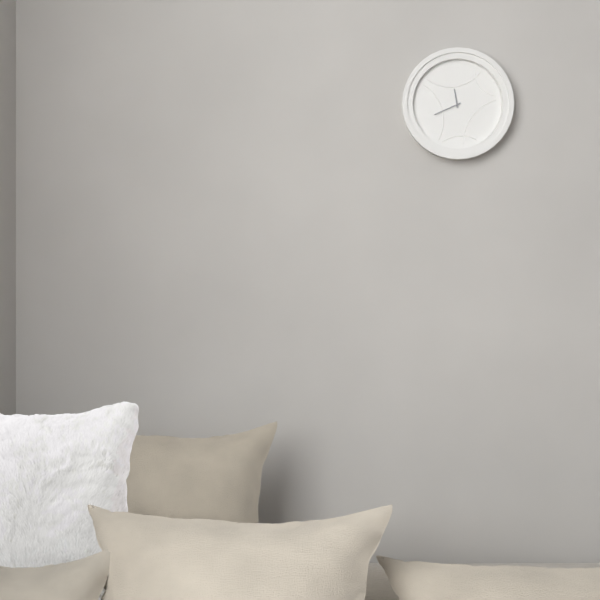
11:41
